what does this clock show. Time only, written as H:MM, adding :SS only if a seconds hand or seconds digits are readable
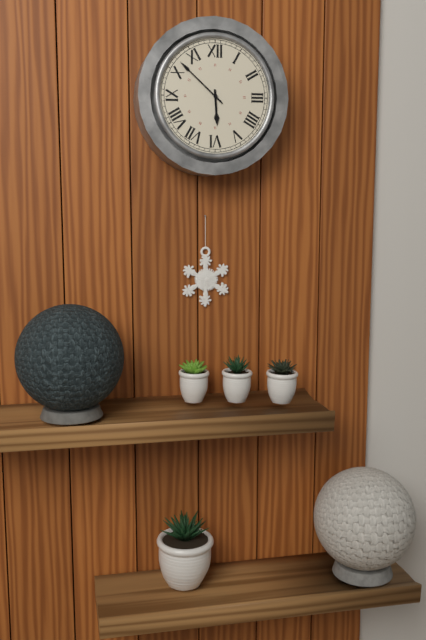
5:52
